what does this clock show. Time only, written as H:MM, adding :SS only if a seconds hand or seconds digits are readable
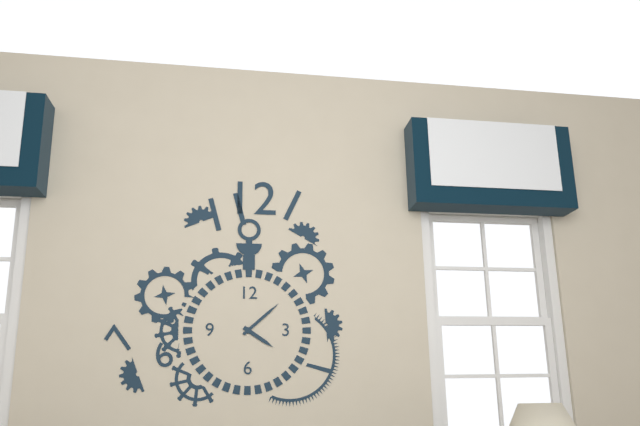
4:08
